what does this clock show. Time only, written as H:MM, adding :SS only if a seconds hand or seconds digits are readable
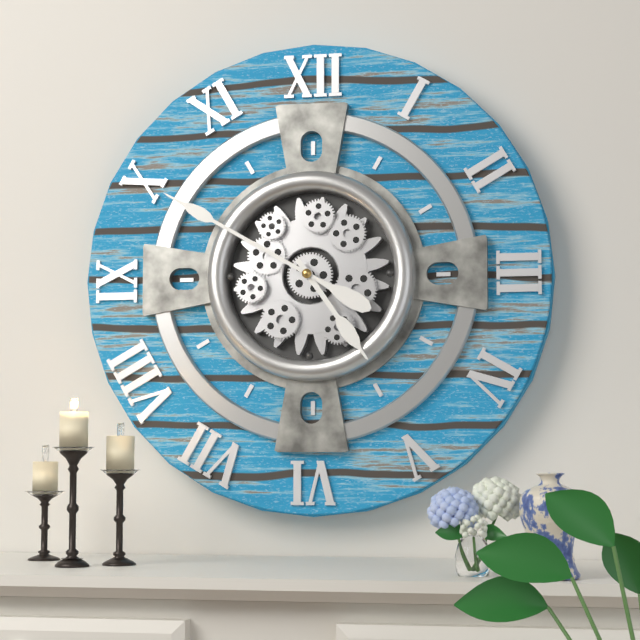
4:50
